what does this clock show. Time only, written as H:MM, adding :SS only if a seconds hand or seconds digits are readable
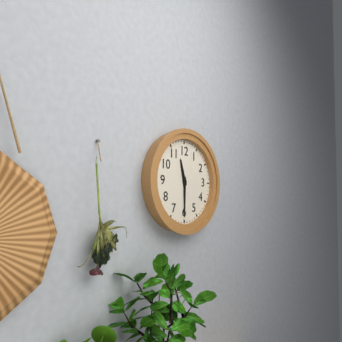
11:30
